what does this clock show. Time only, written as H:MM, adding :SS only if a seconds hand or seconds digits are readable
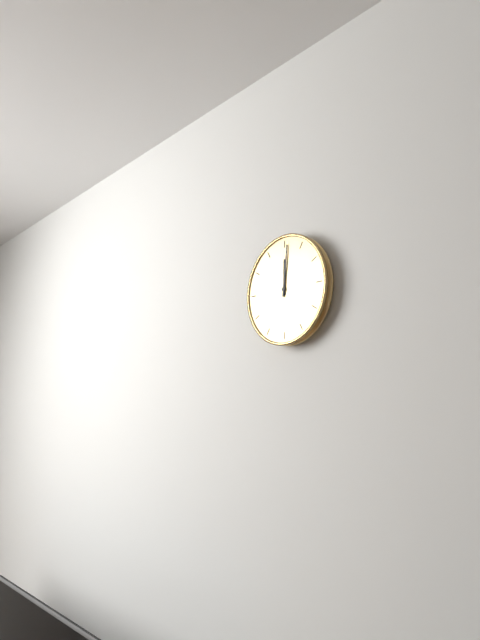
12:01
